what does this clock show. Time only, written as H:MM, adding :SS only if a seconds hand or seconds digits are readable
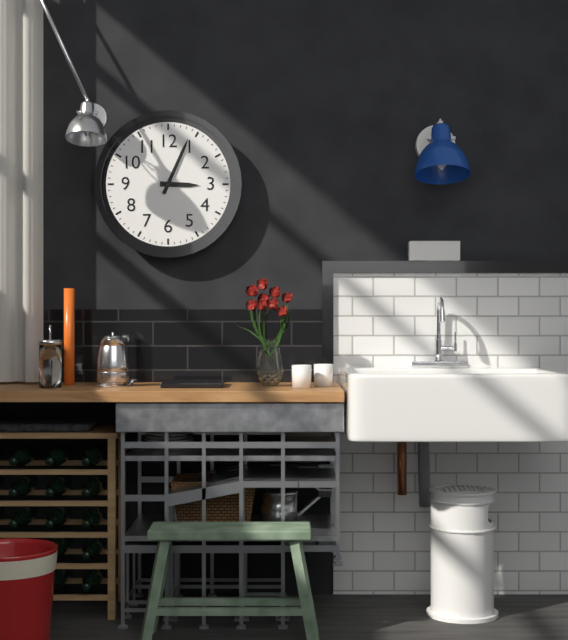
3:04
